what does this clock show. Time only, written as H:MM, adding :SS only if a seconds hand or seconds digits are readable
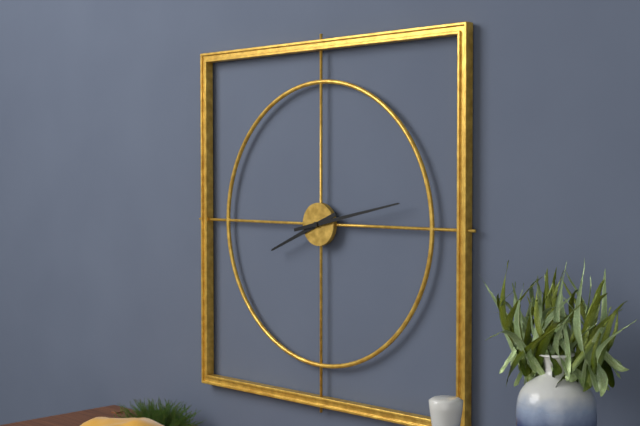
8:13
